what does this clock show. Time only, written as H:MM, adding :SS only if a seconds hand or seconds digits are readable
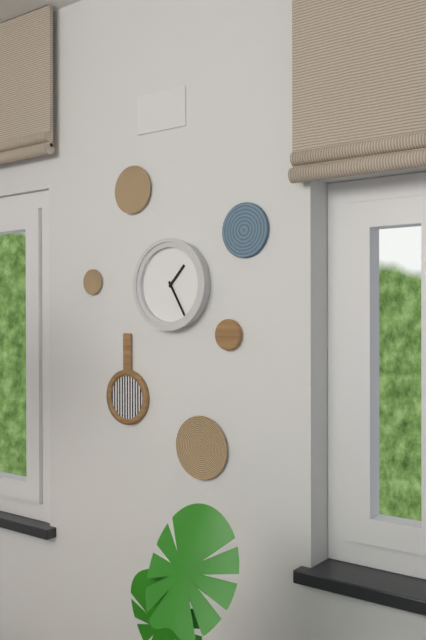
1:25
